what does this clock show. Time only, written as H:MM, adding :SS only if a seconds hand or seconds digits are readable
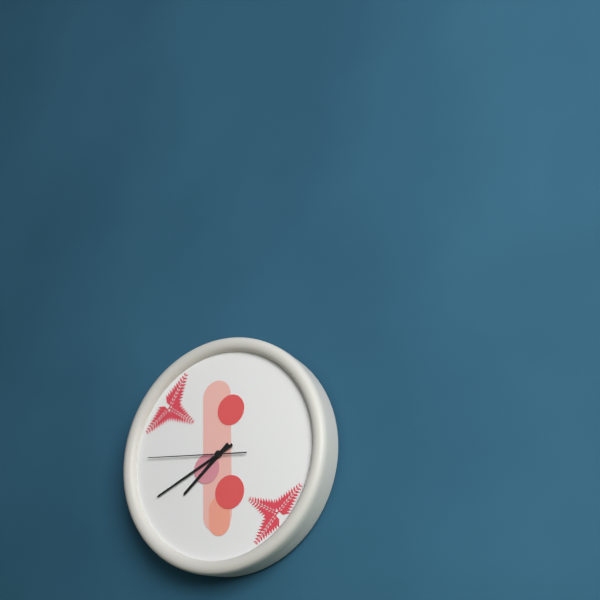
7:41:46
